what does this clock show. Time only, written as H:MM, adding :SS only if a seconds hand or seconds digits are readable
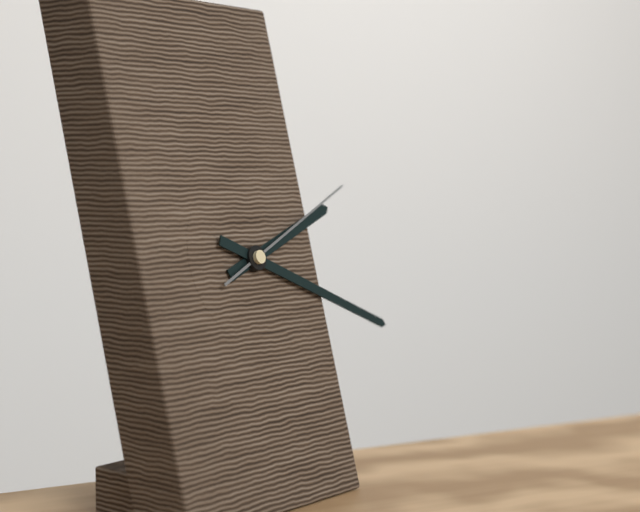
2:19:11
